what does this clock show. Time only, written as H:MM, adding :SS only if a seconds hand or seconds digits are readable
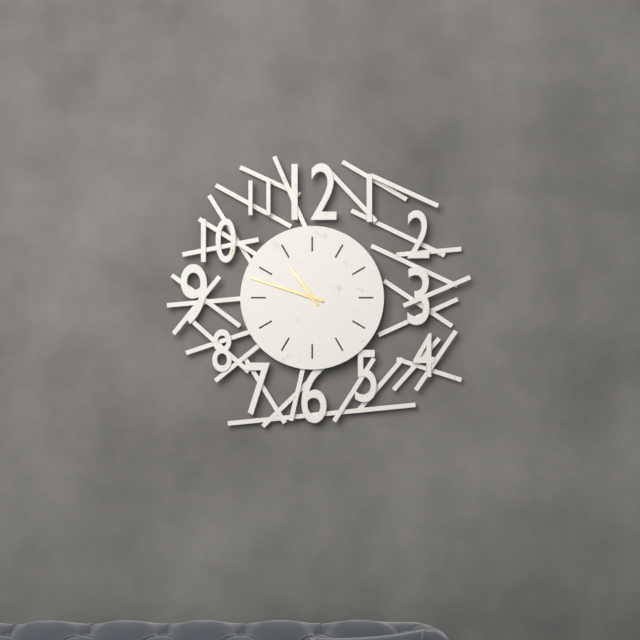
10:48
